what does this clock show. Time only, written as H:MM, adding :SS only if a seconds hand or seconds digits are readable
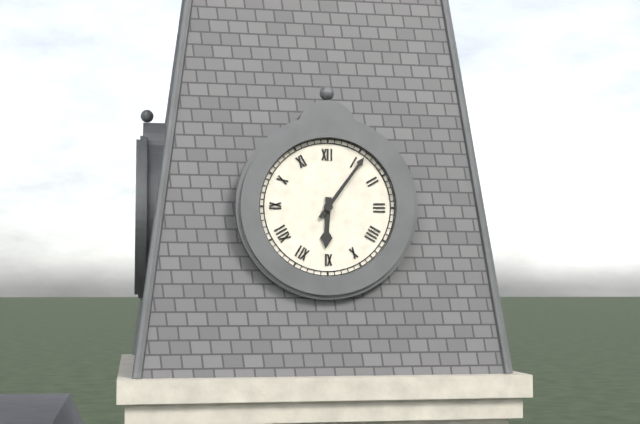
6:06
